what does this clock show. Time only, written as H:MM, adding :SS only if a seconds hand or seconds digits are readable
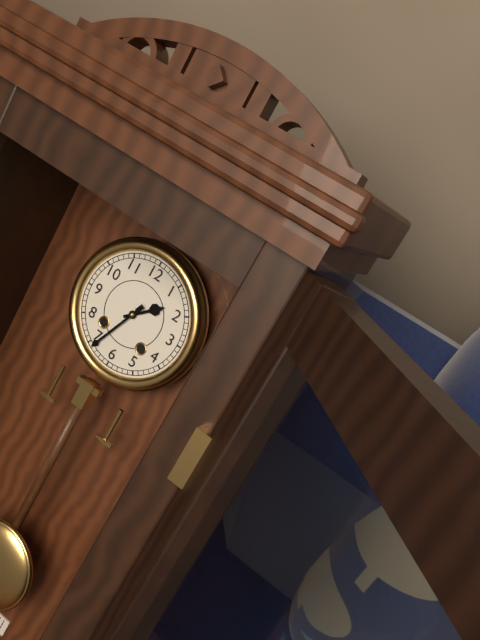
1:34
